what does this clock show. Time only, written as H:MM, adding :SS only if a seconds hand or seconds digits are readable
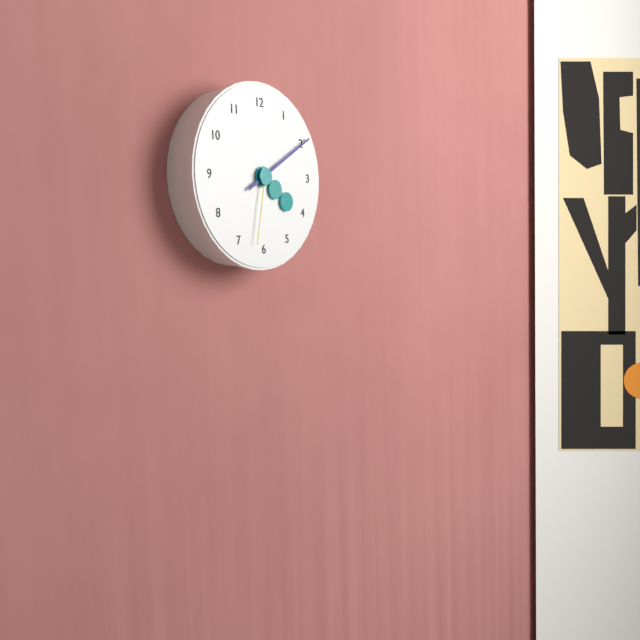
4:10:32
